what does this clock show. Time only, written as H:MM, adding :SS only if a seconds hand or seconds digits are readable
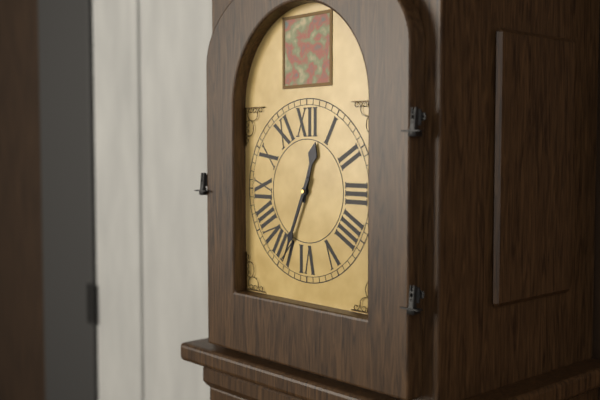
12:34
